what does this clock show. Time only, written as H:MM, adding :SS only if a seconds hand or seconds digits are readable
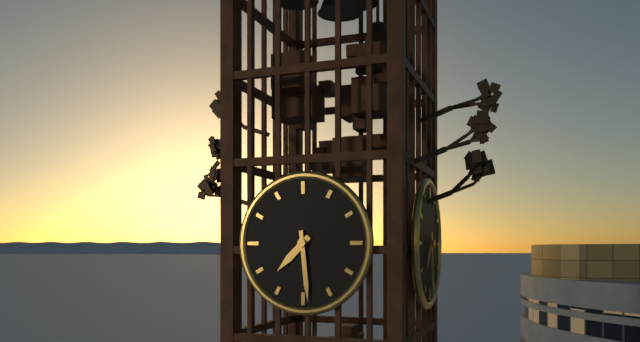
7:29
